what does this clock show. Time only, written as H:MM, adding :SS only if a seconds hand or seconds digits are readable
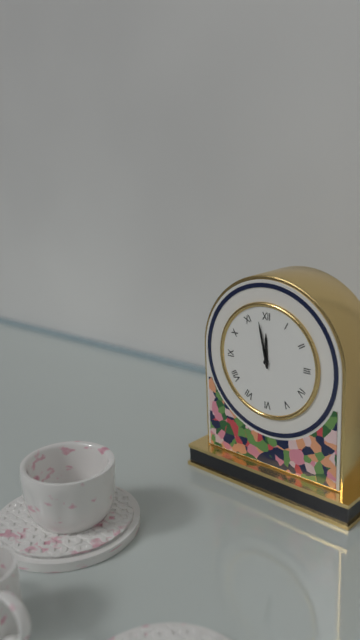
11:58
